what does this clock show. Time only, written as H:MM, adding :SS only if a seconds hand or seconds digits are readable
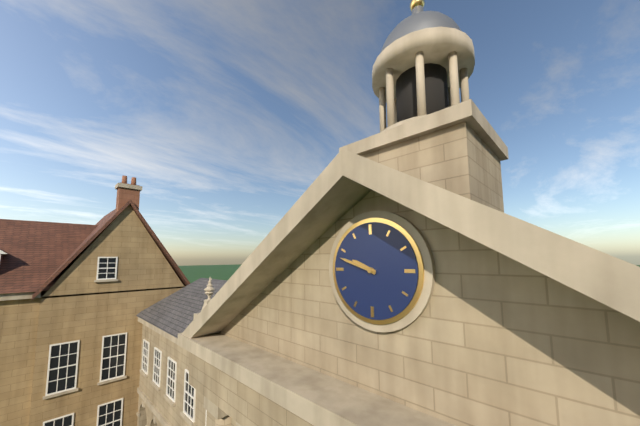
9:48
